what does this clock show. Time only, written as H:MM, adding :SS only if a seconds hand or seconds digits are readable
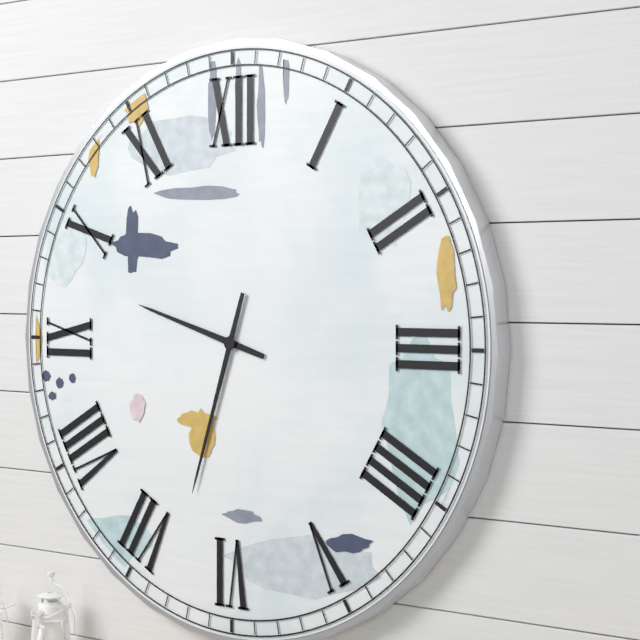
9:33
